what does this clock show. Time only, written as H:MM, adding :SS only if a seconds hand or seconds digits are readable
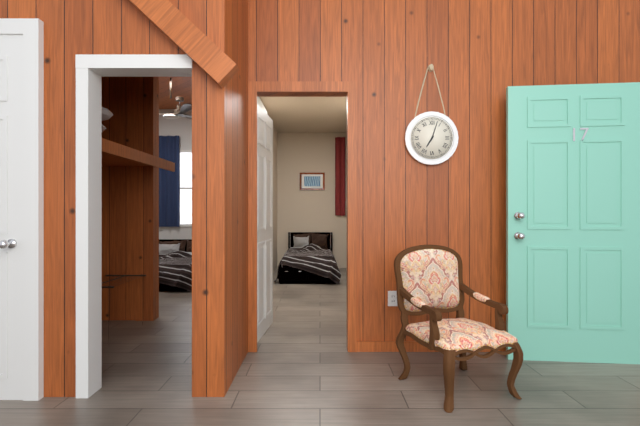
7:03
